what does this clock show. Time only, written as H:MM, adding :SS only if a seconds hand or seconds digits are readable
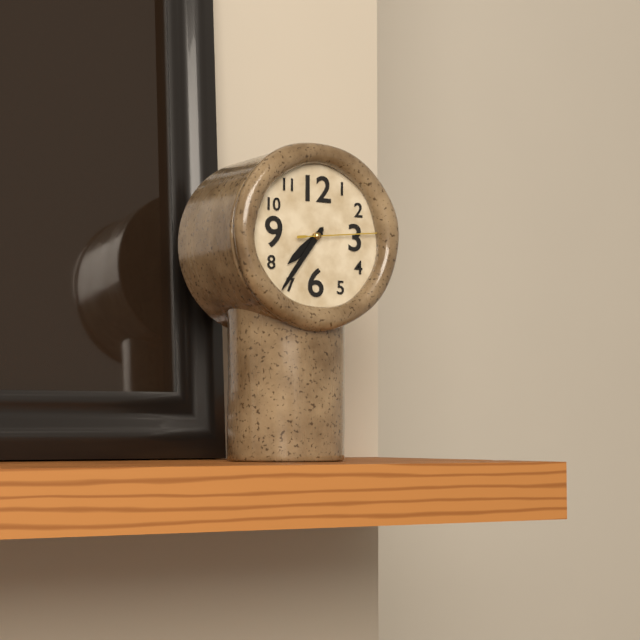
7:36:14
